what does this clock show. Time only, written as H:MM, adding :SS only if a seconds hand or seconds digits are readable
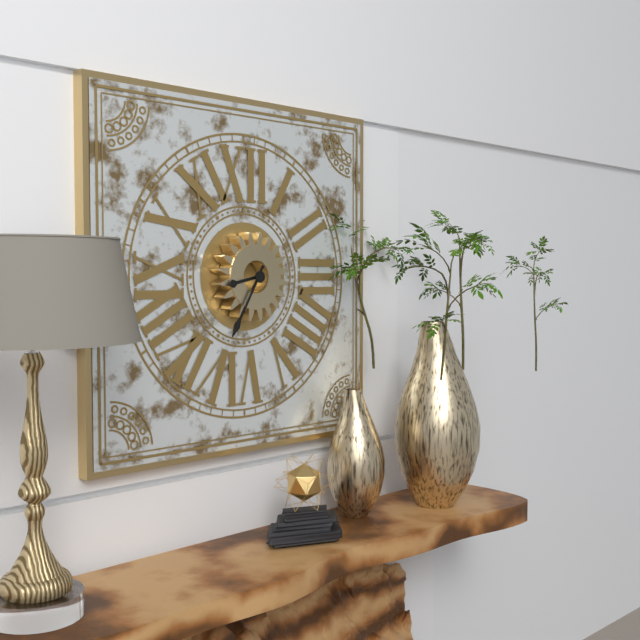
8:35
